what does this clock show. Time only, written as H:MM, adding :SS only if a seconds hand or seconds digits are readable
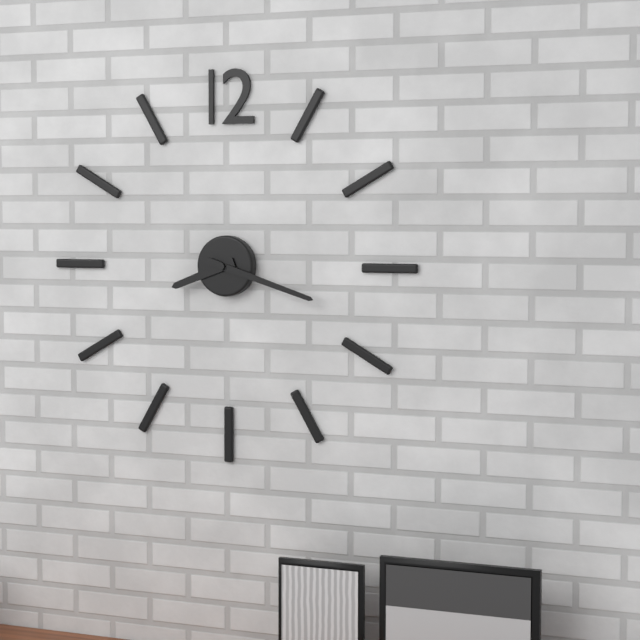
8:18
